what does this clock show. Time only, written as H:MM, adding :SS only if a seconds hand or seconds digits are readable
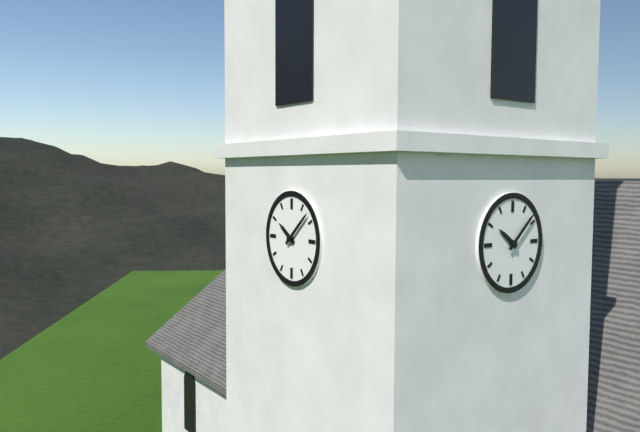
10:08
